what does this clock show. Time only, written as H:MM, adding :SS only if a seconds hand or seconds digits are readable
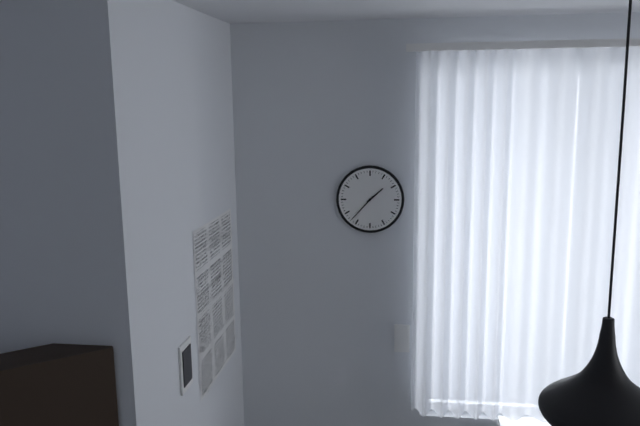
1:37
